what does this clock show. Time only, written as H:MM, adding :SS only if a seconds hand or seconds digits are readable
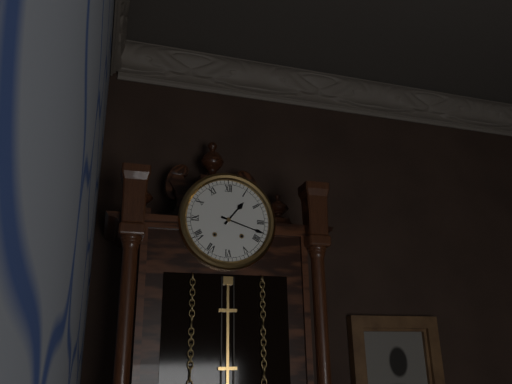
1:18
